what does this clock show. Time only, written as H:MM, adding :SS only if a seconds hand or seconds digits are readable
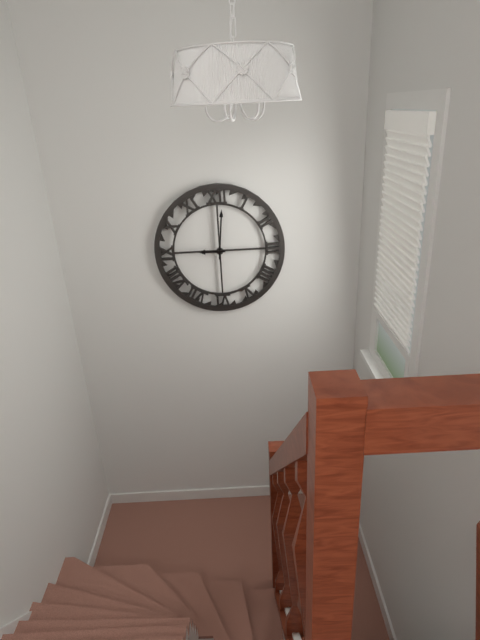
9:01
